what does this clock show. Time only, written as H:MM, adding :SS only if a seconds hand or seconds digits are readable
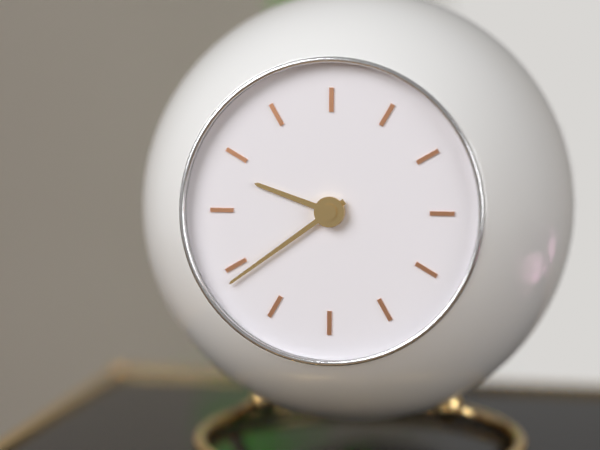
9:39
